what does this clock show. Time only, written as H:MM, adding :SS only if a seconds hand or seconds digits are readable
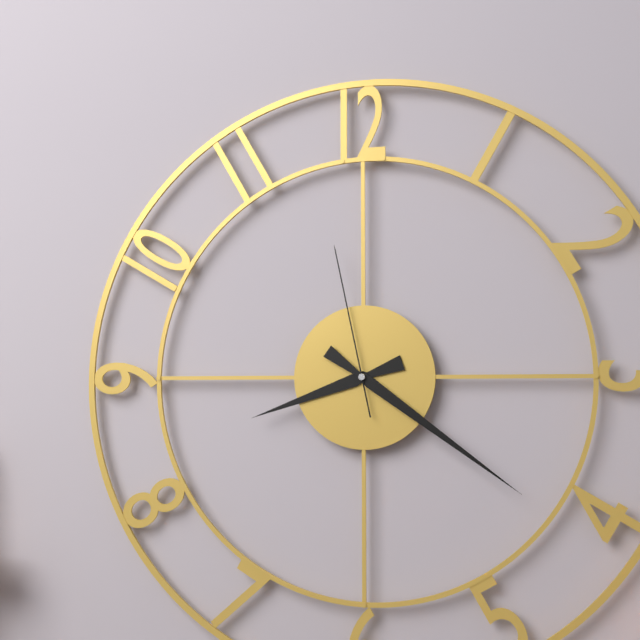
8:21:58
